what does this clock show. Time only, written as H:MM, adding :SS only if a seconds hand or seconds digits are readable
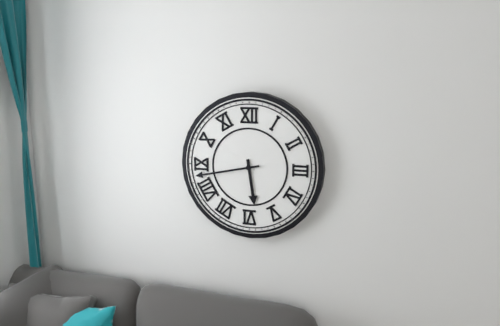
5:43
